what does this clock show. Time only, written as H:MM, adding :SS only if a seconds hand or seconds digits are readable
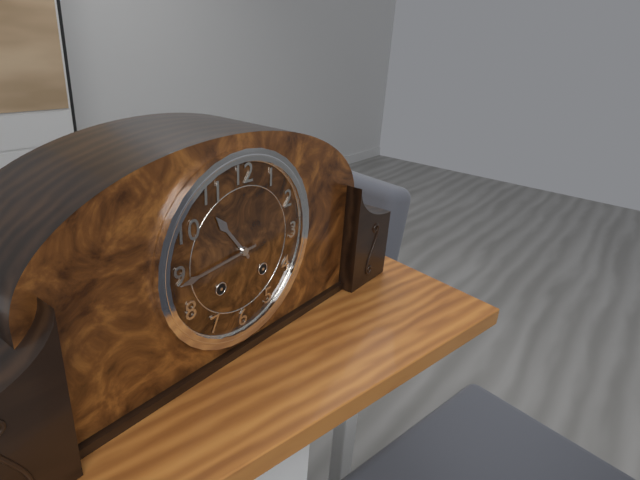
10:44
